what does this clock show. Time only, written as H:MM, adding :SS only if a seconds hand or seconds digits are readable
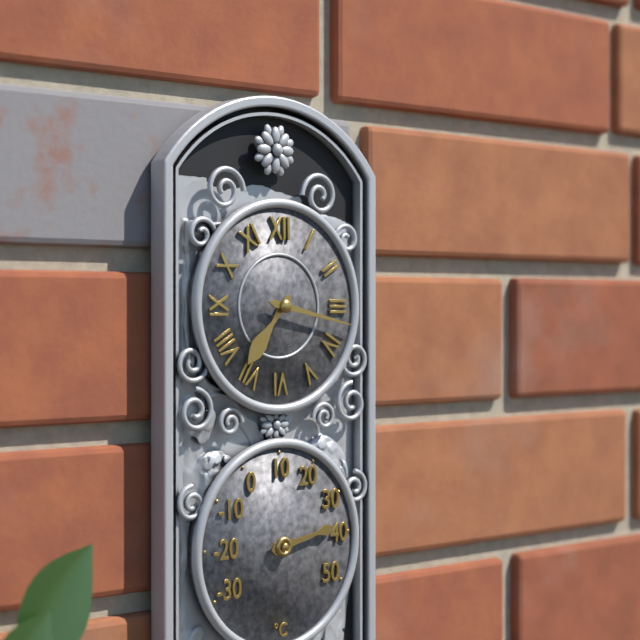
7:17
